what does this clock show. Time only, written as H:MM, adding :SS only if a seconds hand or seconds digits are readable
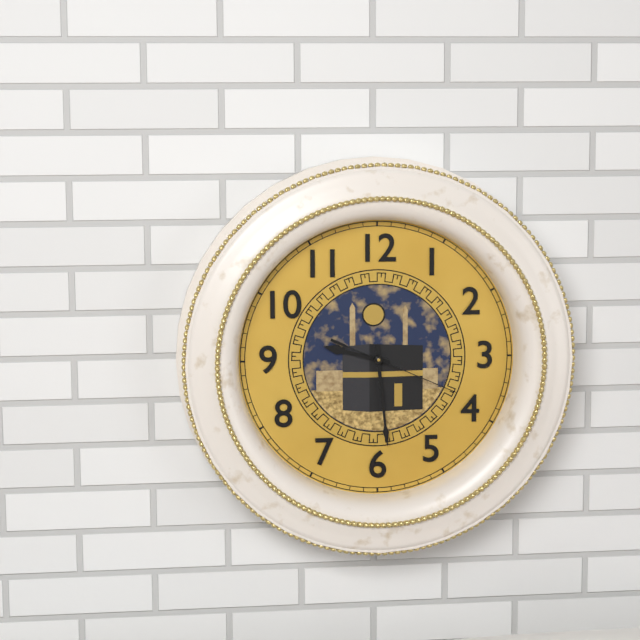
9:29:19
